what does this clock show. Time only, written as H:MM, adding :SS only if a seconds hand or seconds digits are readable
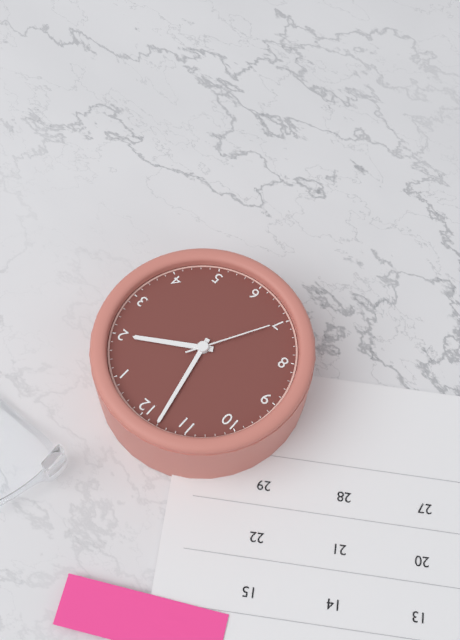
1:58:35
